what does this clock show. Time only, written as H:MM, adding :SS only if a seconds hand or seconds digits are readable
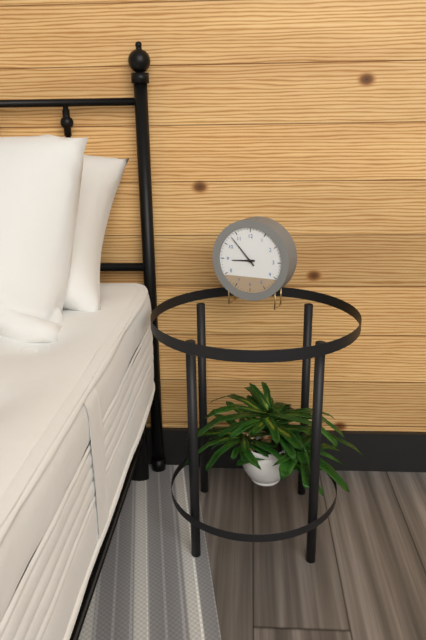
8:53
